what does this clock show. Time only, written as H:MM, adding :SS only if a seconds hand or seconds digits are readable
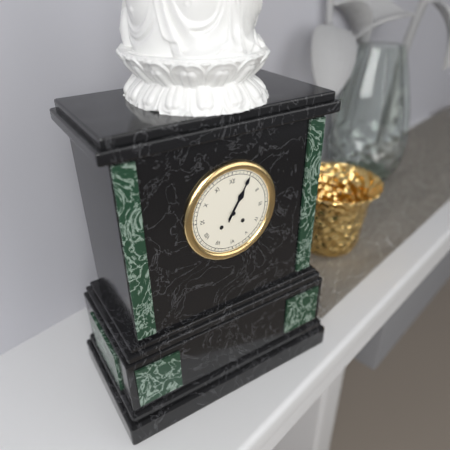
1:05
